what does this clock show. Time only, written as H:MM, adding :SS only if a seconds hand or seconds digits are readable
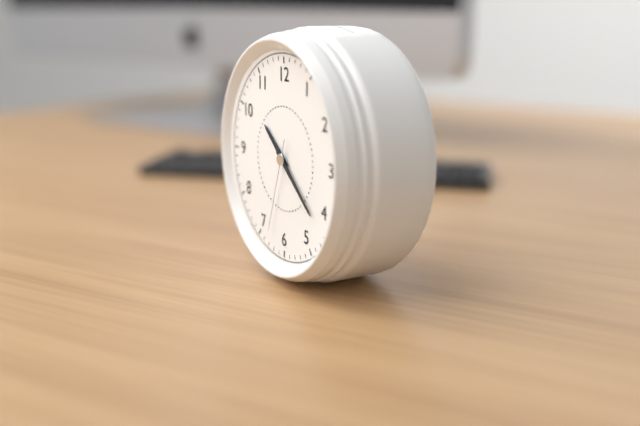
10:22:33
